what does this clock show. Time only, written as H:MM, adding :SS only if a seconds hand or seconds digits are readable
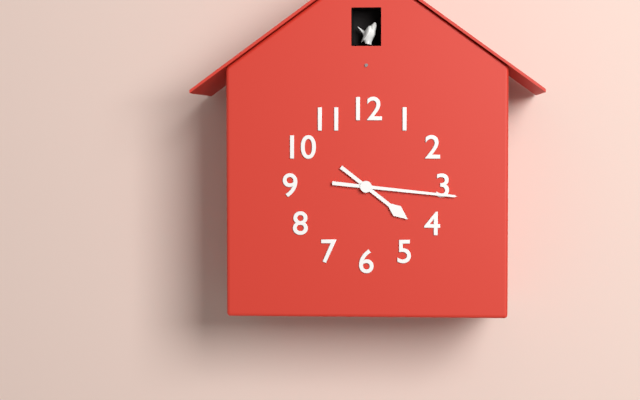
4:16
